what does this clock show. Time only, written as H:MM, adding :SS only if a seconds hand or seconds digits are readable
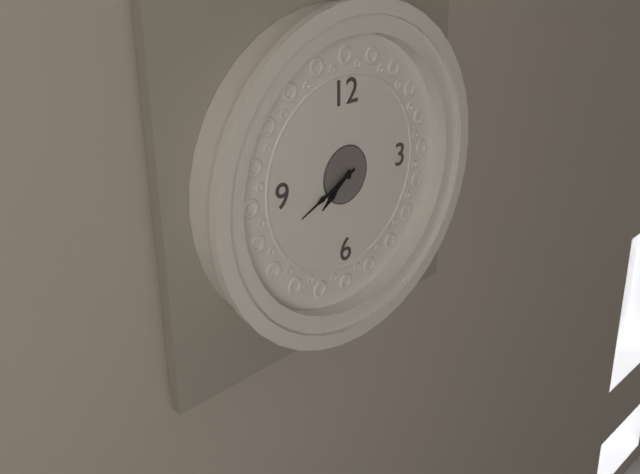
7:41
